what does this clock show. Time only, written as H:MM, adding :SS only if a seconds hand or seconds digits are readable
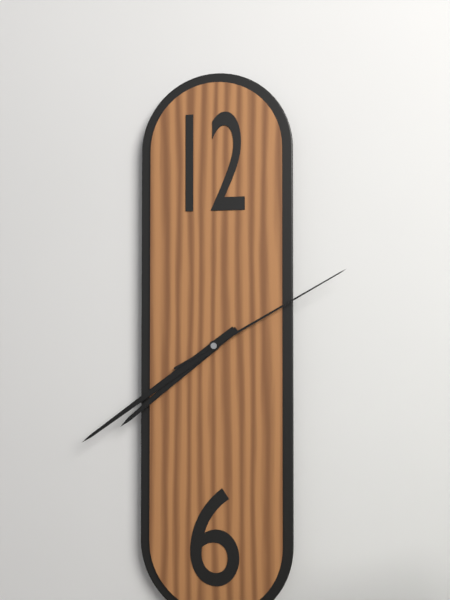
7:39:10
